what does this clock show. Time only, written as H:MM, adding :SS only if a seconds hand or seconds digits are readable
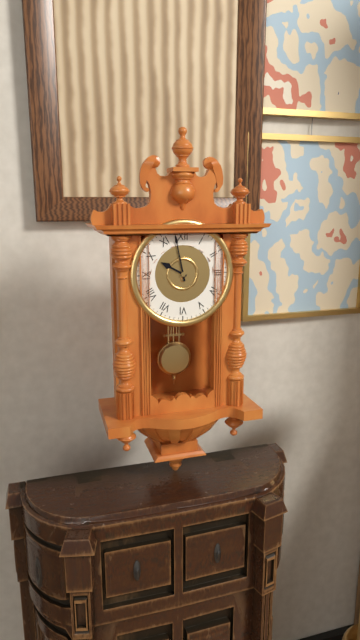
9:58
